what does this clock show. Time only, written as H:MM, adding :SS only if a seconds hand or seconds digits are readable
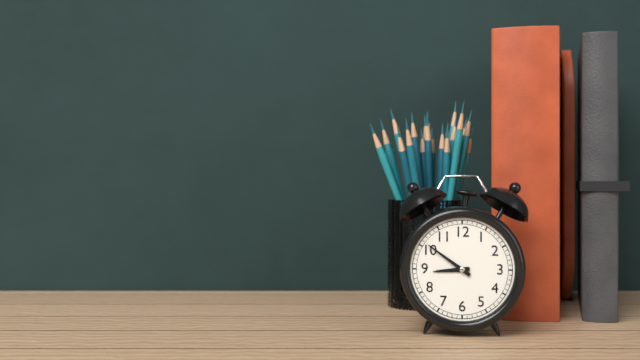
8:51
